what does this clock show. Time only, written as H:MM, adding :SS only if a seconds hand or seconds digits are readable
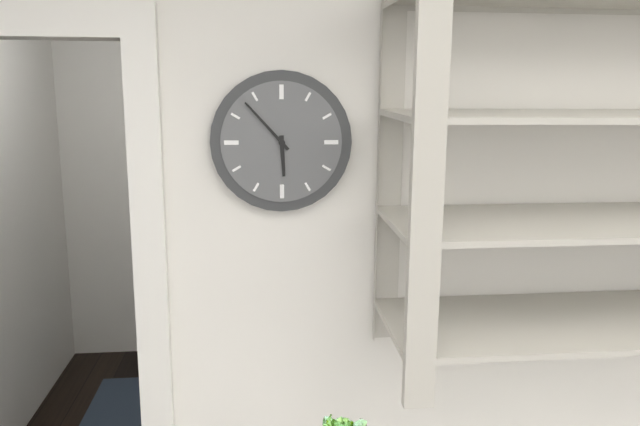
5:53
